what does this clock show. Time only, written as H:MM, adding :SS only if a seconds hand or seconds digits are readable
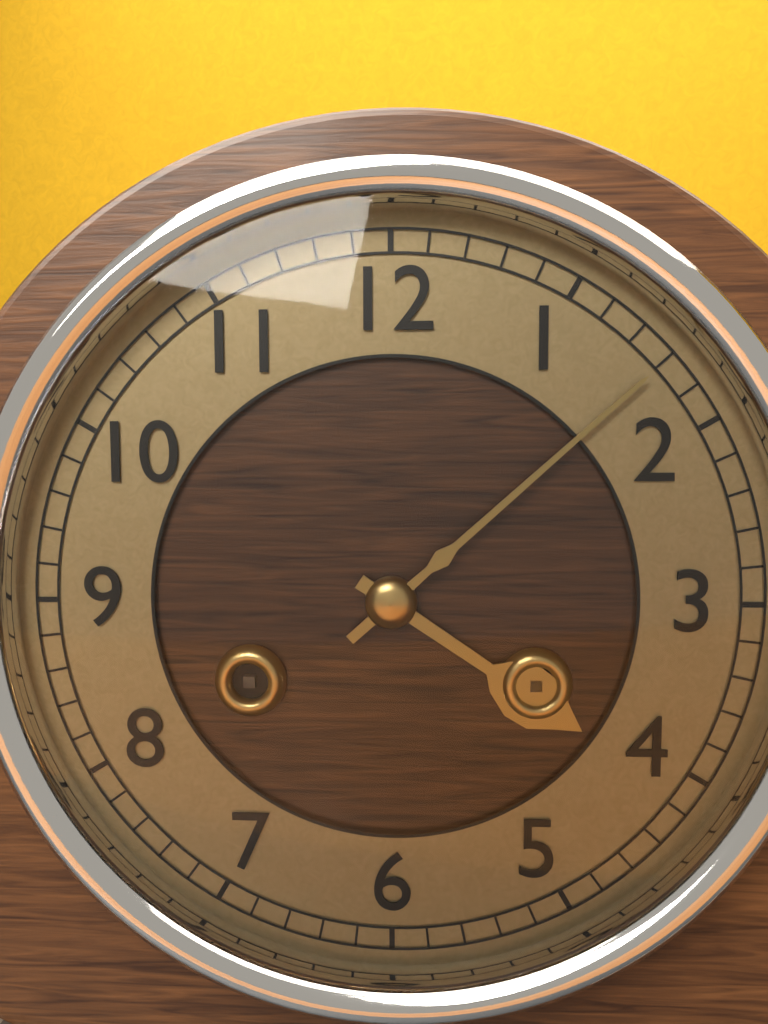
4:08
